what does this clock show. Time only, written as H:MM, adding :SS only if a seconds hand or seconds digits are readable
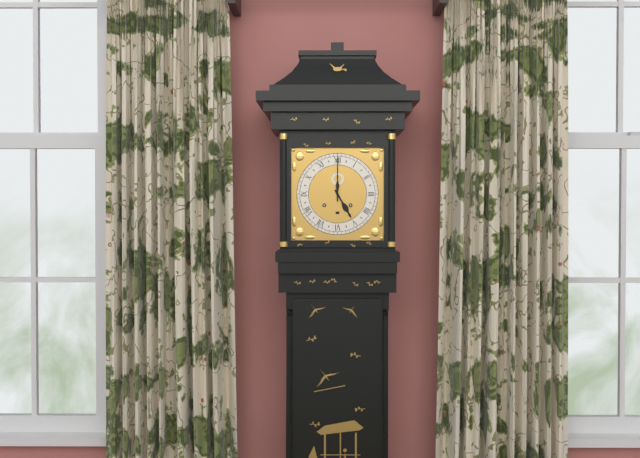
5:00
